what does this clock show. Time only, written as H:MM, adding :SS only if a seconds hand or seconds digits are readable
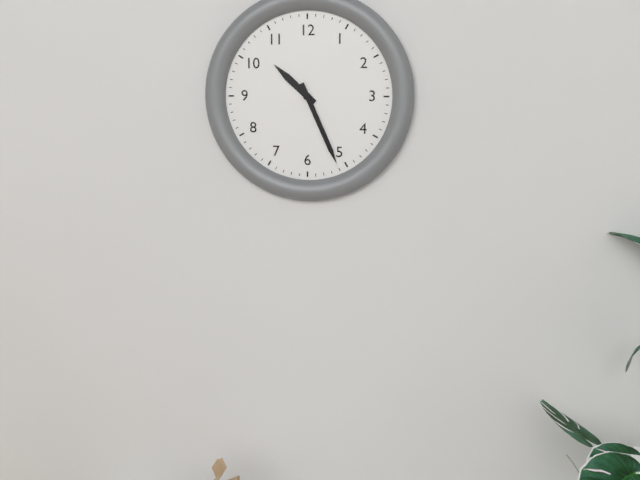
10:26
